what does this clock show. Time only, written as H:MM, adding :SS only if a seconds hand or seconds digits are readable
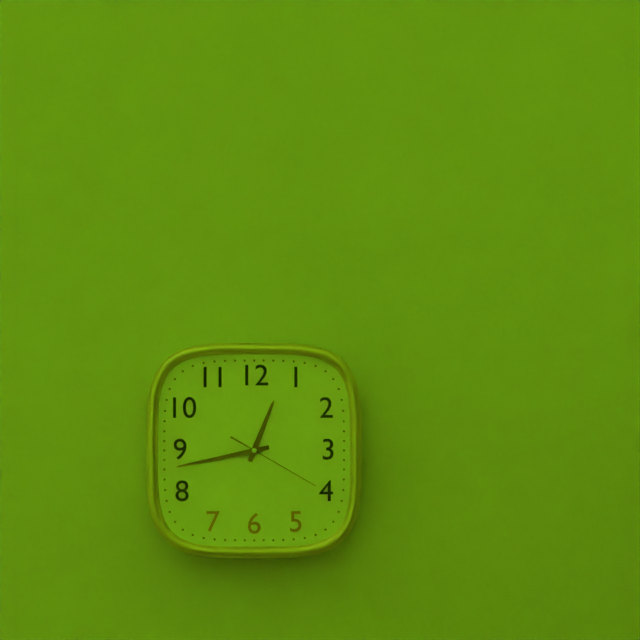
12:43:20
